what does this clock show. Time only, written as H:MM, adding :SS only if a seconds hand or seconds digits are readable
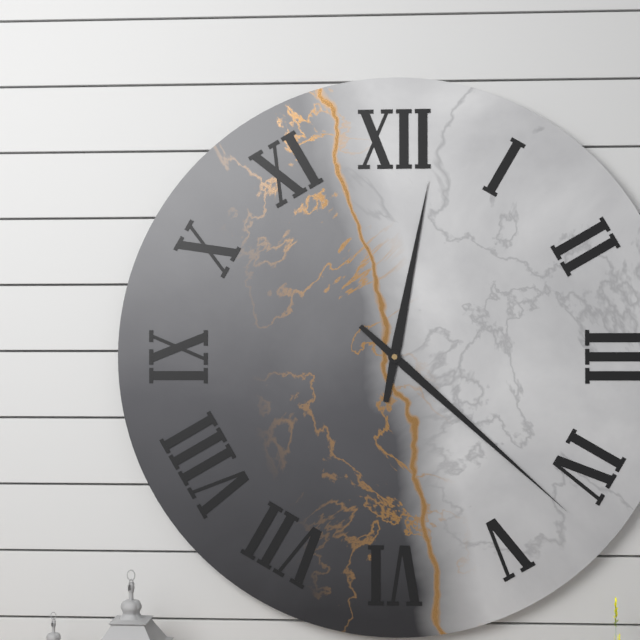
12:22
